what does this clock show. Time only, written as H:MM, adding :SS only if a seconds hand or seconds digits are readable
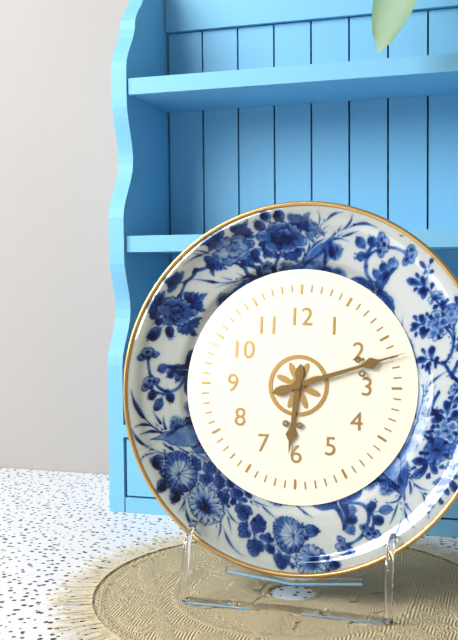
6:12
